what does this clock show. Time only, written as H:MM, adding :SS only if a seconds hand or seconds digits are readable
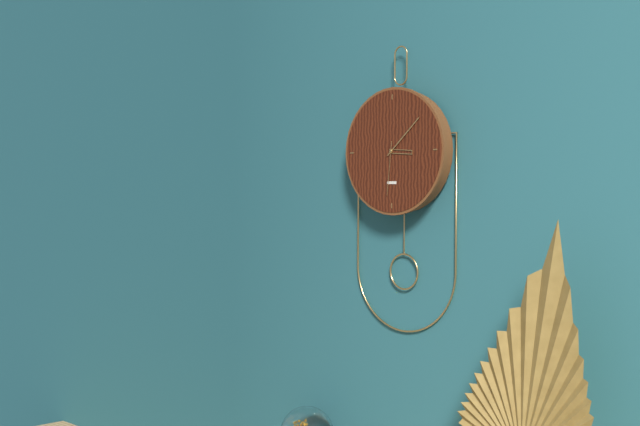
3:08:31
